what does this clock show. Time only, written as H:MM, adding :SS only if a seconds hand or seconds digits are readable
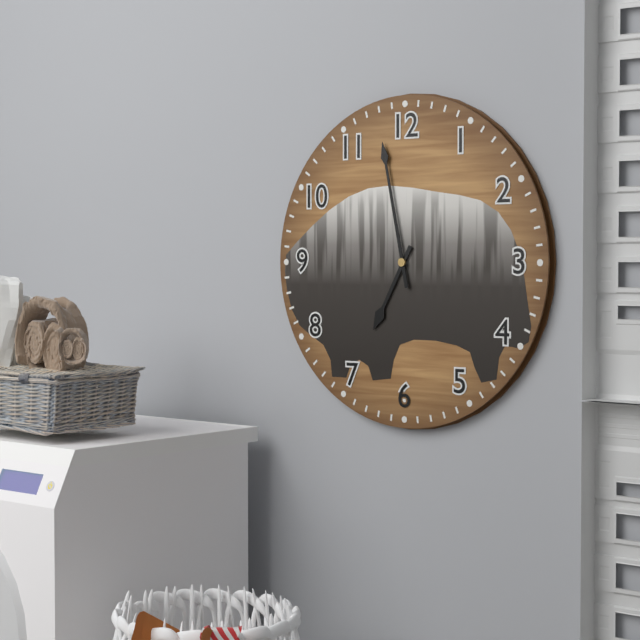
6:58
